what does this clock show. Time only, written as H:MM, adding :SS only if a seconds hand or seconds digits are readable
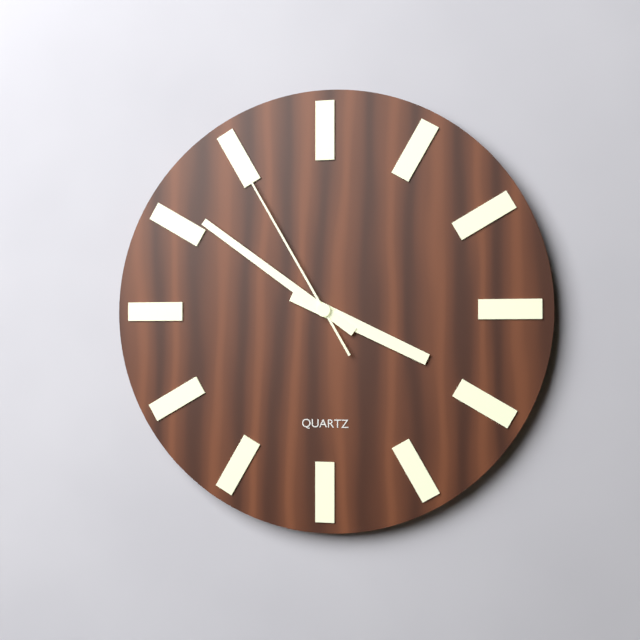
3:51:55
